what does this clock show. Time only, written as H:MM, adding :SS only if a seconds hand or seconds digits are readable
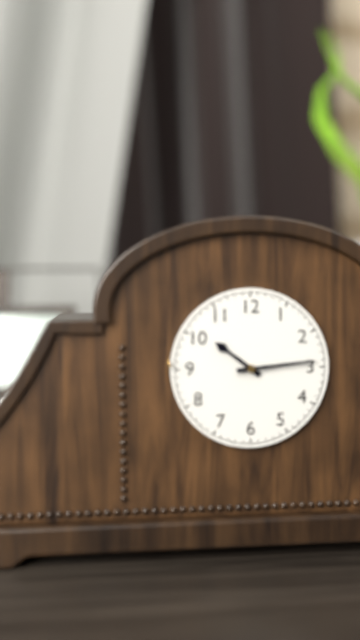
10:14
